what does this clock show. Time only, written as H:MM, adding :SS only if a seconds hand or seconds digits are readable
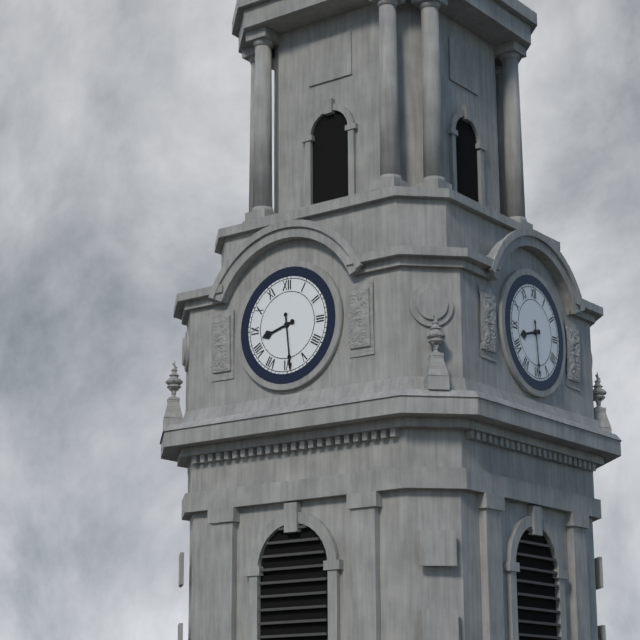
8:29
